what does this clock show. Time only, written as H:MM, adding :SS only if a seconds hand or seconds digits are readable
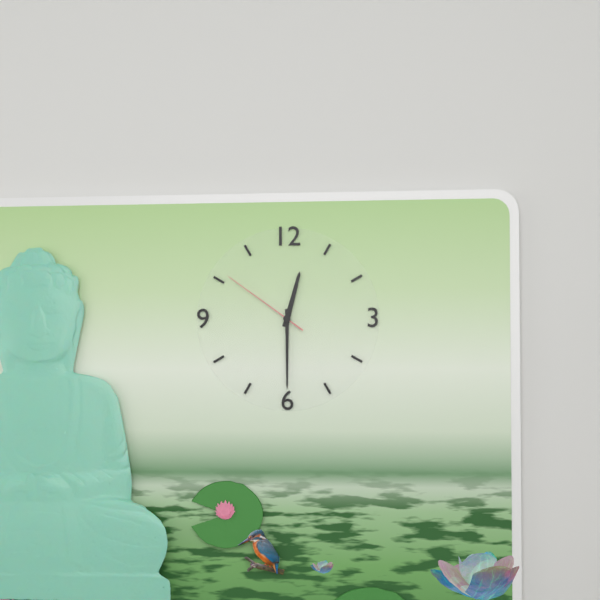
12:30:51
